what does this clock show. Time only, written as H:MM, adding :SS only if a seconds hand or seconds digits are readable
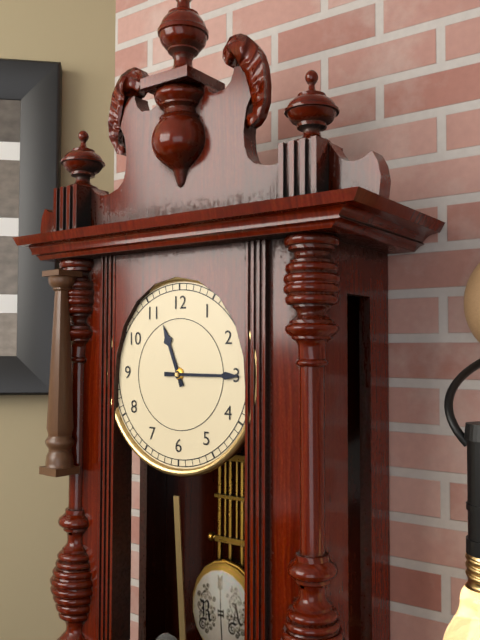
11:15
